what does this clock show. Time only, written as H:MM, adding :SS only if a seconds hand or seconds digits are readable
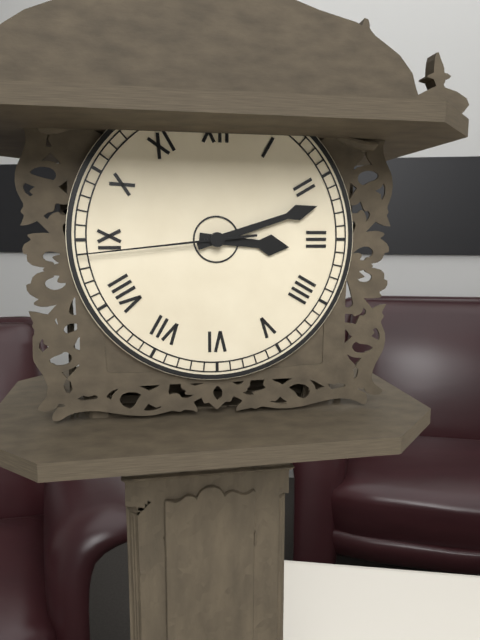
3:12:44
